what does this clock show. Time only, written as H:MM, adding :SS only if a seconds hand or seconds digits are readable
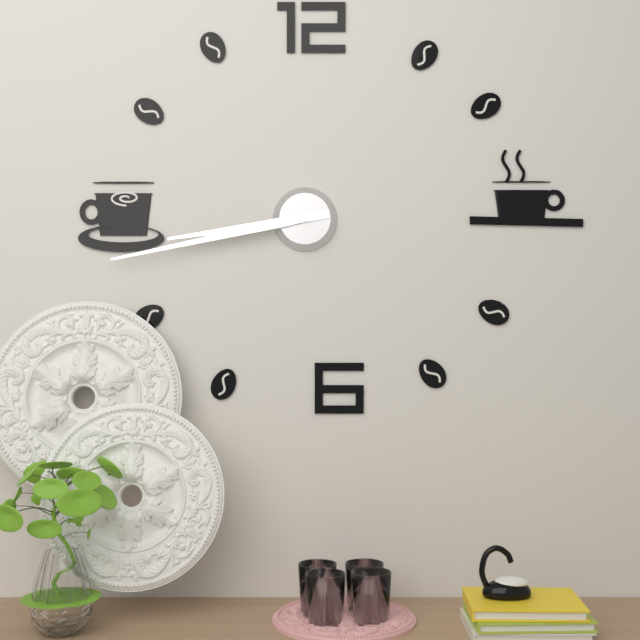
8:43
